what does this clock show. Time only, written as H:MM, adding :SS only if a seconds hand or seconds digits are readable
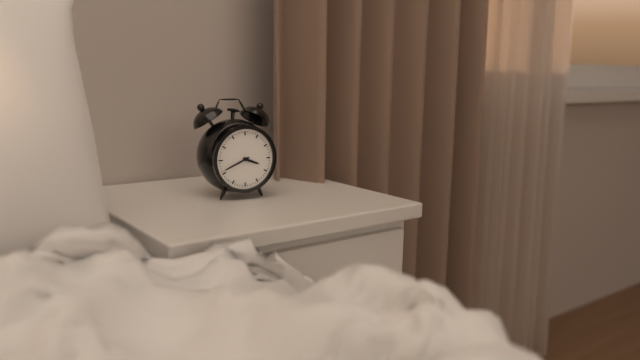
3:41
